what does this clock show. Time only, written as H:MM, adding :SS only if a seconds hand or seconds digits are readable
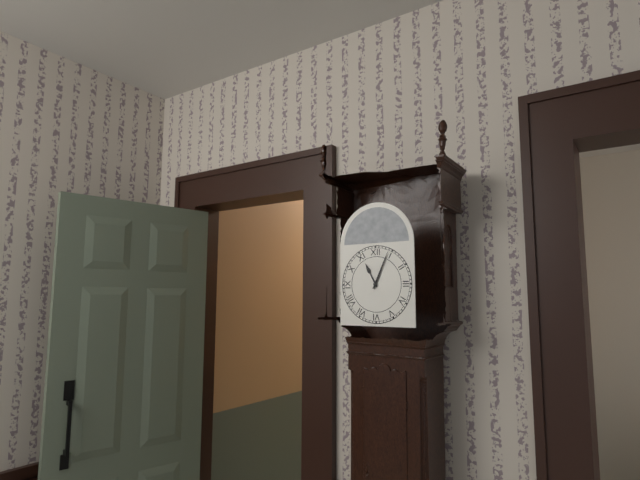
11:04
